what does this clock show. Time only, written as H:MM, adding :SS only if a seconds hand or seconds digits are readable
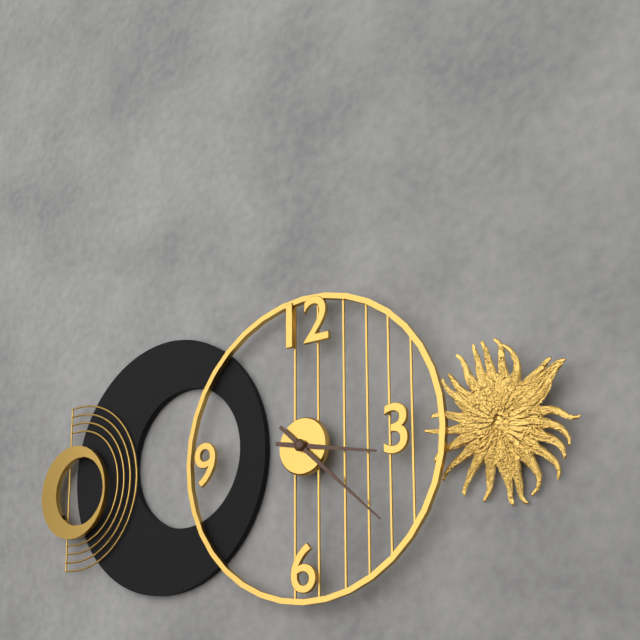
3:22
